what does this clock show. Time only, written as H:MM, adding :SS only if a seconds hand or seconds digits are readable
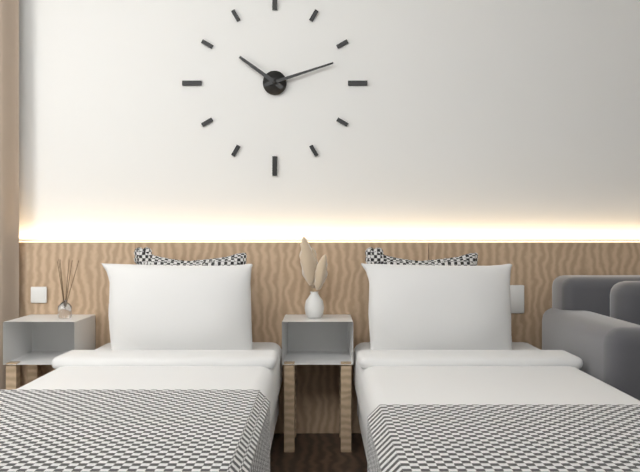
10:12
